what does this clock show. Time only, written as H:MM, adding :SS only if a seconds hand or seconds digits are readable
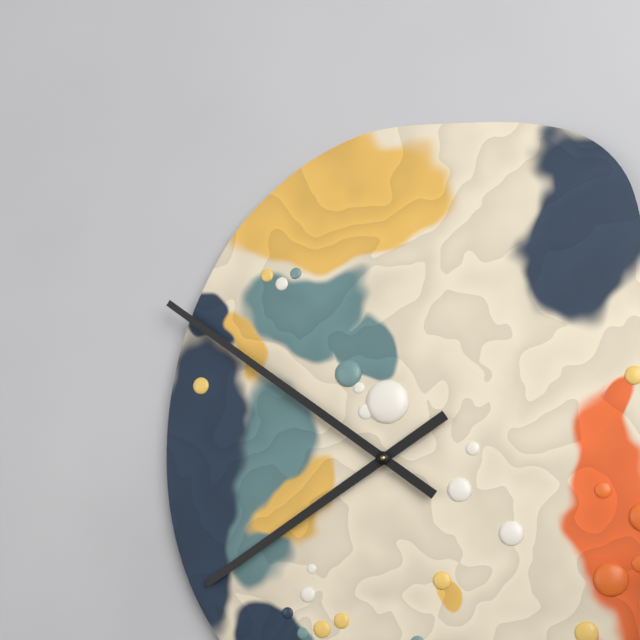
7:51
